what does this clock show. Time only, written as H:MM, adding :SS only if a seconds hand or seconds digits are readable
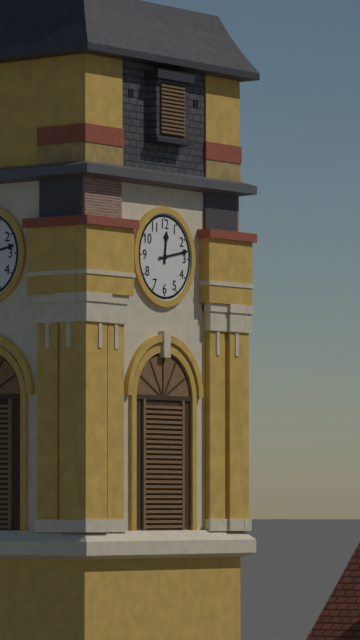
12:13
